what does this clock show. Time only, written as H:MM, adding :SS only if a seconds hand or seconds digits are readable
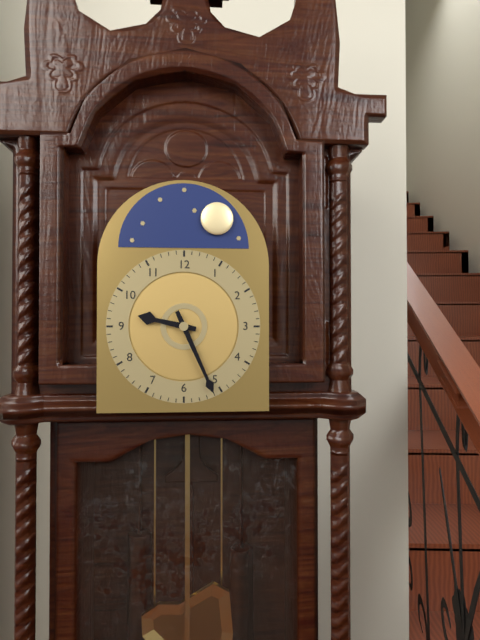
9:26
